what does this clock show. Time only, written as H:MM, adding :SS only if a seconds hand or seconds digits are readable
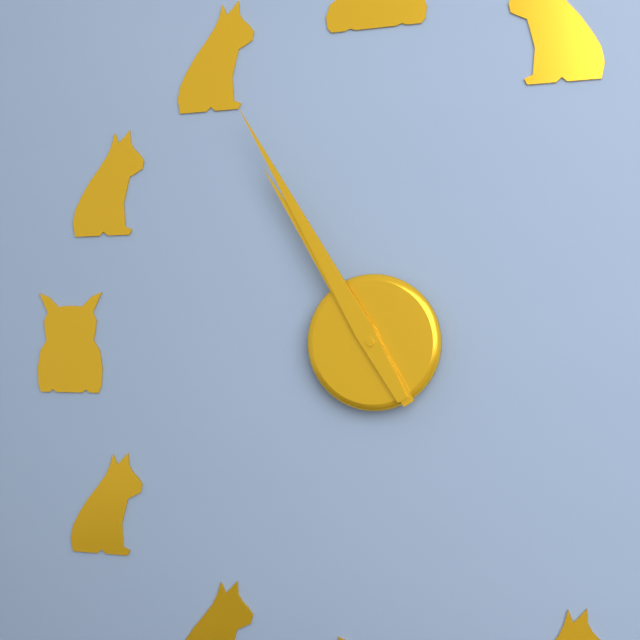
10:55
